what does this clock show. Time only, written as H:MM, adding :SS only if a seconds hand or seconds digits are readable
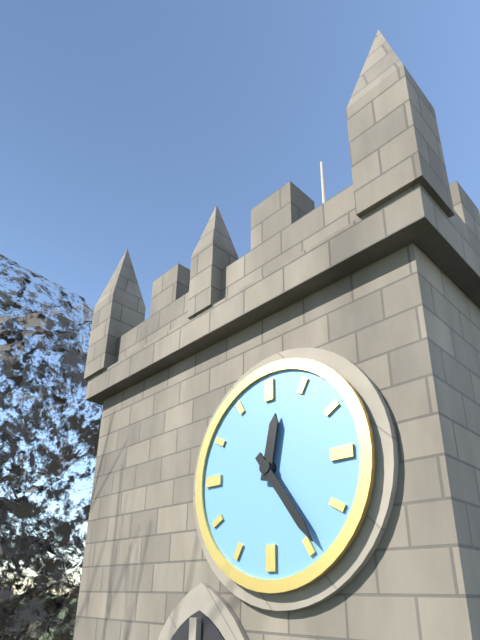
12:24
